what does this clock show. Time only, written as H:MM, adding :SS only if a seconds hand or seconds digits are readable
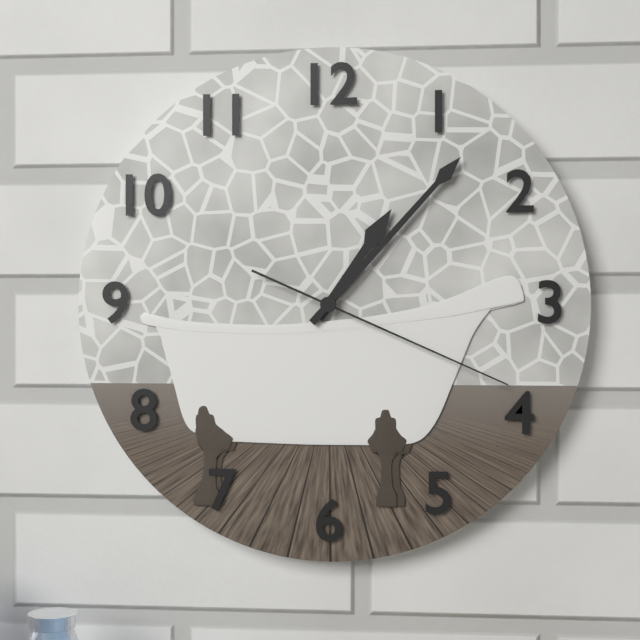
1:07:19
